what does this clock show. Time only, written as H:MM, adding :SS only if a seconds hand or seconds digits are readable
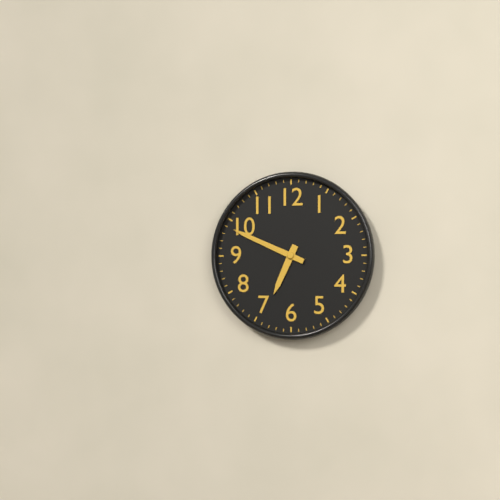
6:49
